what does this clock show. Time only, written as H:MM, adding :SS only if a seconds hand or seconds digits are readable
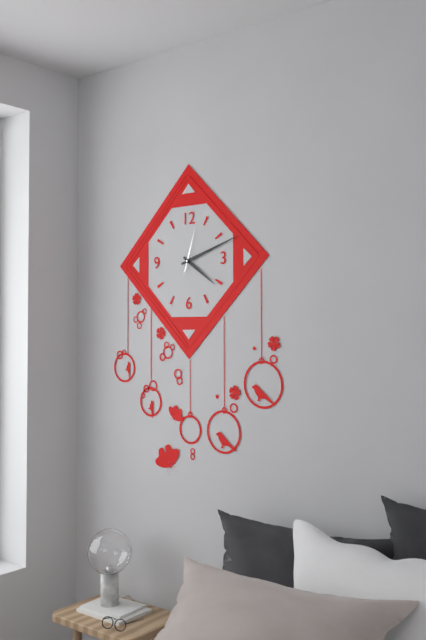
4:12
